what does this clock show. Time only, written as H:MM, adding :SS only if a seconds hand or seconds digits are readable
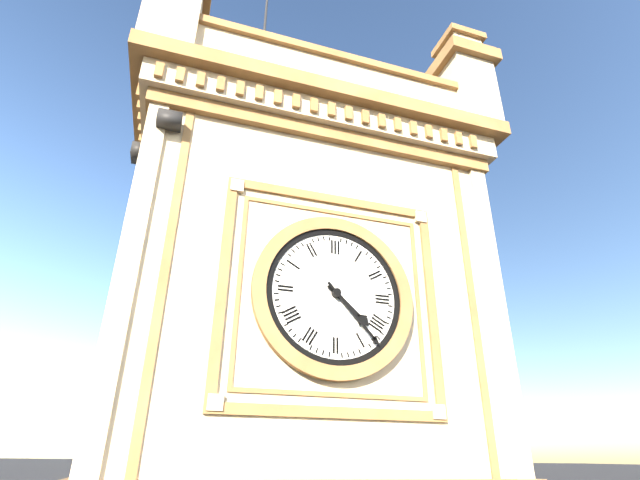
4:23
